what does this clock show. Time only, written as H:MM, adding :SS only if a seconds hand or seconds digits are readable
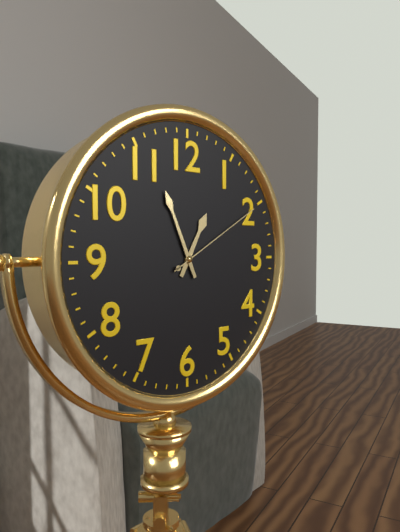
12:56:10
